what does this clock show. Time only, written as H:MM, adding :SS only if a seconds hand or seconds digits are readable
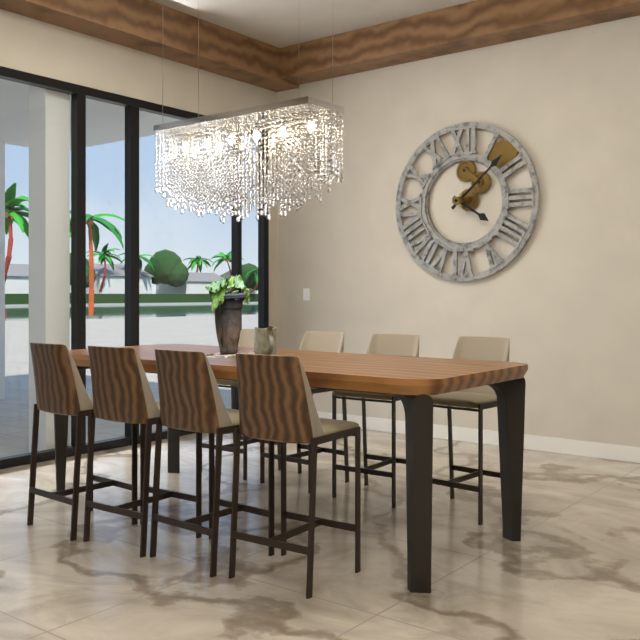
4:08
